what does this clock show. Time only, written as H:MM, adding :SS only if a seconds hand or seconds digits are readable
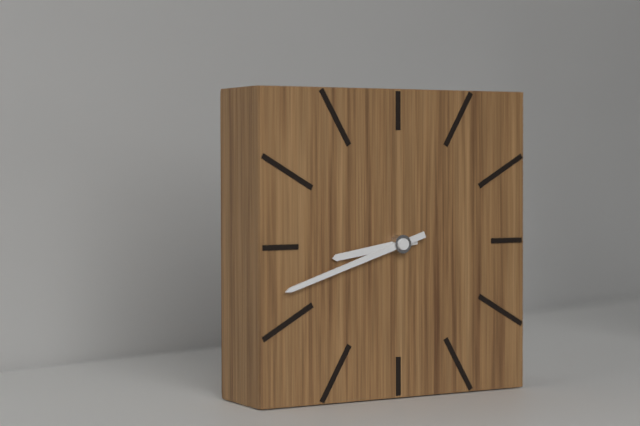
8:42
